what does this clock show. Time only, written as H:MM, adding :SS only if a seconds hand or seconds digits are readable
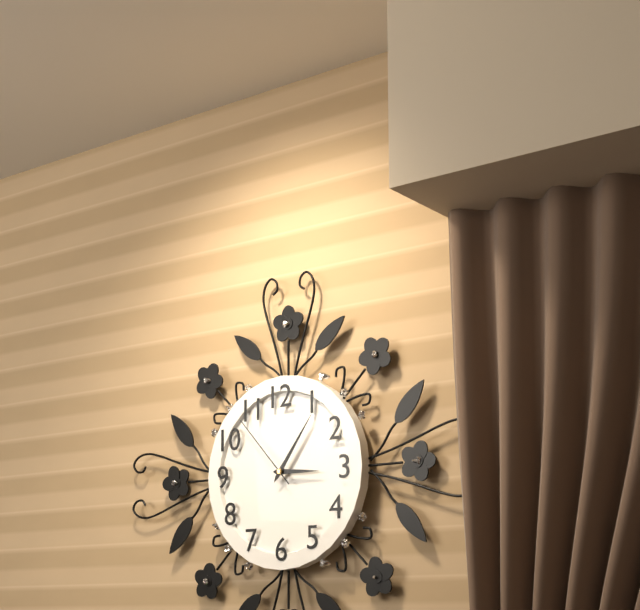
3:06:53
